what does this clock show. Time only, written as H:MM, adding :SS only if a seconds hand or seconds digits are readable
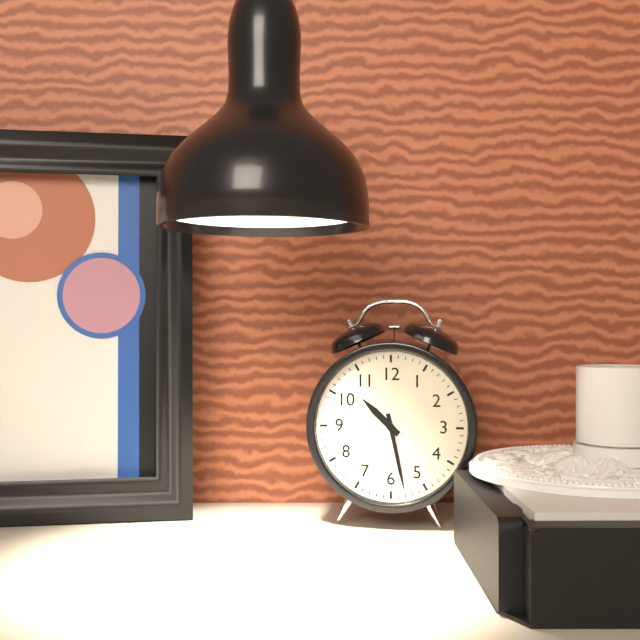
10:28
